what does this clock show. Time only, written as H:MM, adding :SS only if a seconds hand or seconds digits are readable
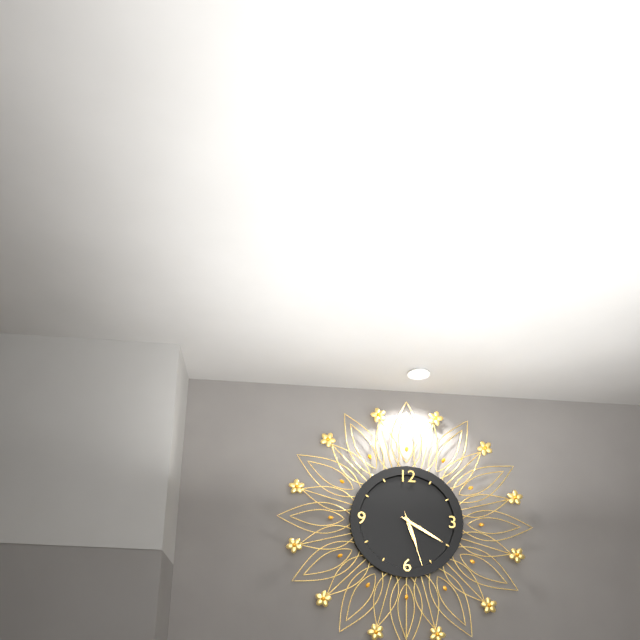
5:20:27
